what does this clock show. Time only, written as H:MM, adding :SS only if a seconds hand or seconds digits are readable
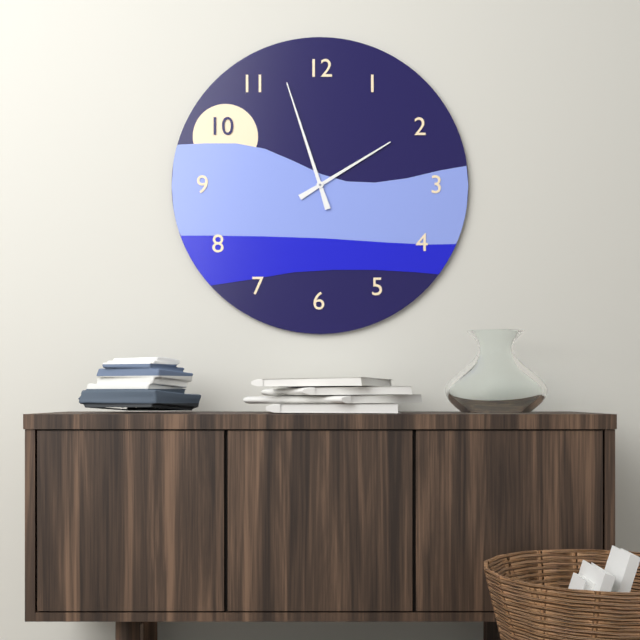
1:57
